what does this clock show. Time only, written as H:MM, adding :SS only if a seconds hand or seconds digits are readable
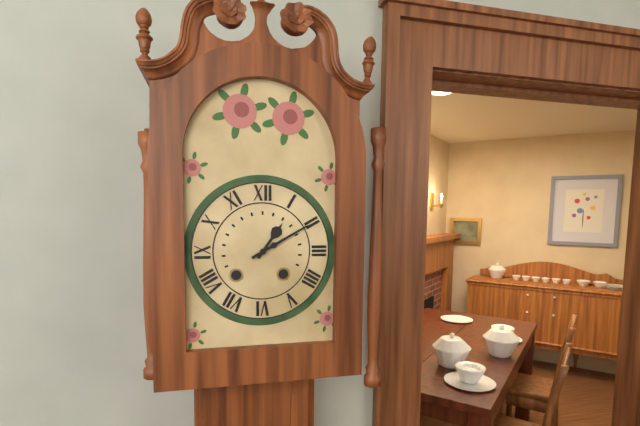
1:10
